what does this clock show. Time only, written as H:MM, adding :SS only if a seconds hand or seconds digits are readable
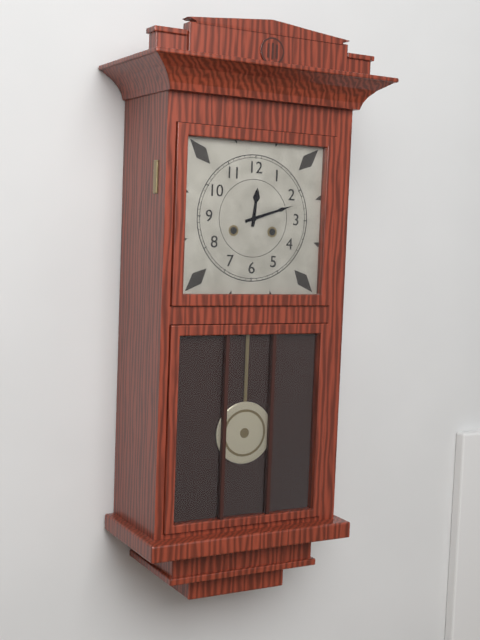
12:12
